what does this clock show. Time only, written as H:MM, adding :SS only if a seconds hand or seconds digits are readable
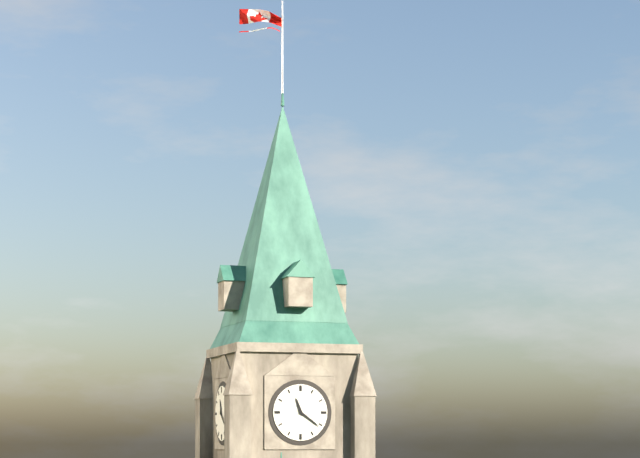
11:21
